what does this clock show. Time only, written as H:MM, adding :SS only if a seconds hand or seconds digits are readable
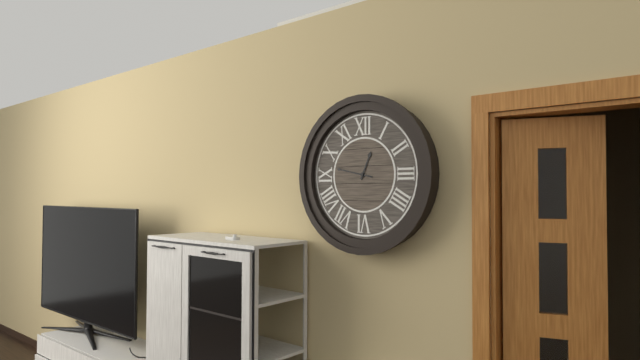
12:47
